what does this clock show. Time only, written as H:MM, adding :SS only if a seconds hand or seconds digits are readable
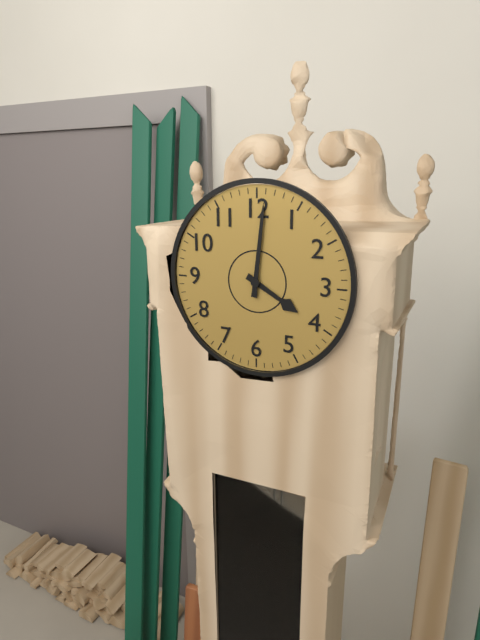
4:01
